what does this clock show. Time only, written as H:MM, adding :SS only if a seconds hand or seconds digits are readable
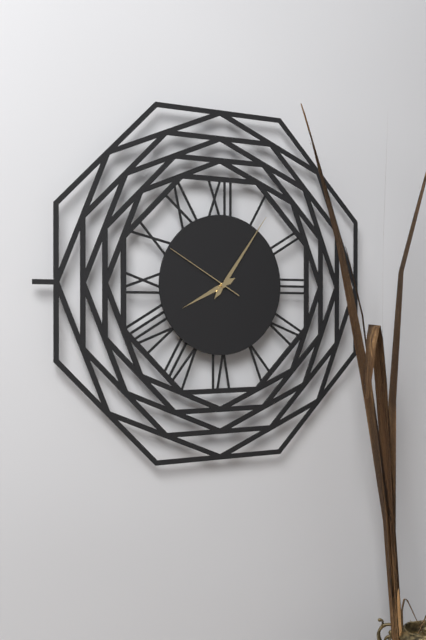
8:06:50
